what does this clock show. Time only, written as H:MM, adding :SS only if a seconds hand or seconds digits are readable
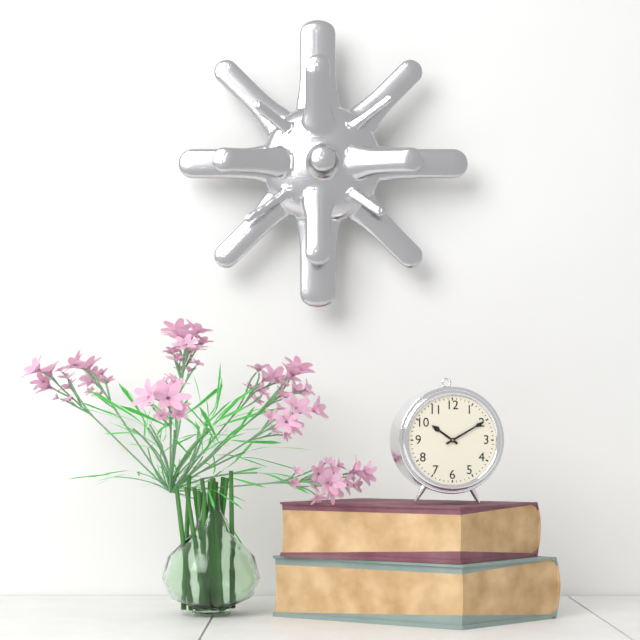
10:10
